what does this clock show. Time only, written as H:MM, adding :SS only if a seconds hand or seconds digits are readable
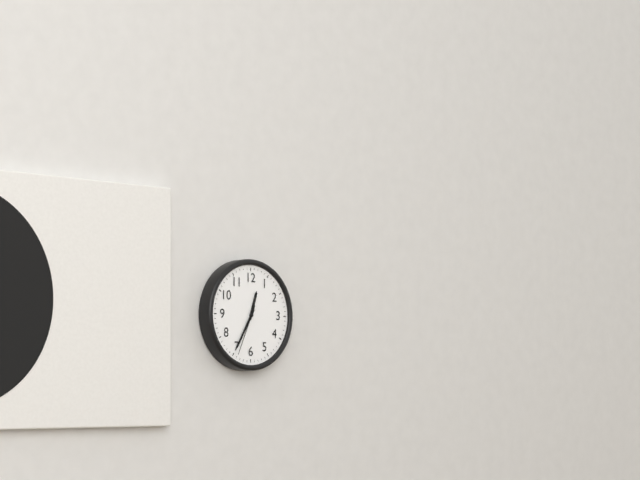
12:35:34
